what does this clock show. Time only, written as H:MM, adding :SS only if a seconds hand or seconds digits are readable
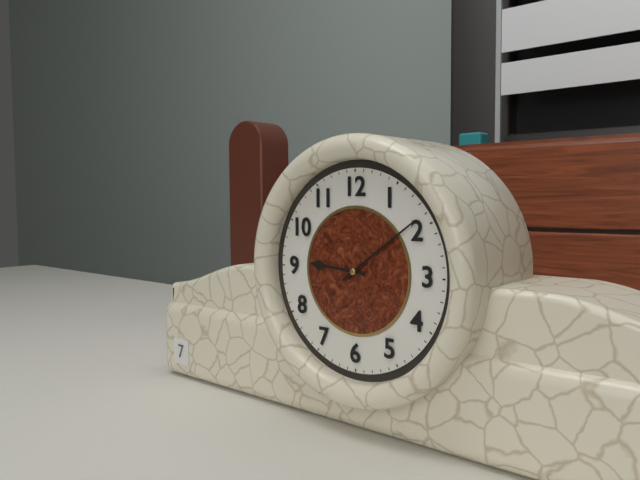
9:09
